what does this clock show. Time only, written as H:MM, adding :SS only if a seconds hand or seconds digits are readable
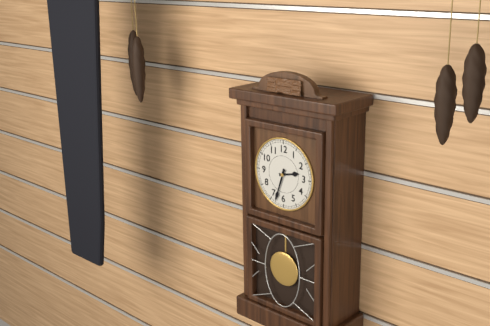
2:33
